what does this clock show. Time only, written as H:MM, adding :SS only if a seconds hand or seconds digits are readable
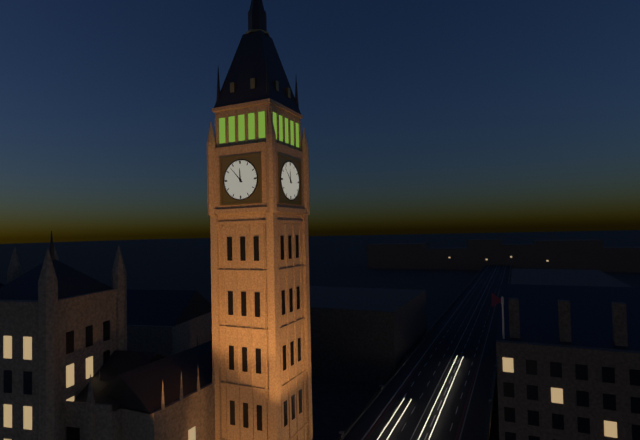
11:53
